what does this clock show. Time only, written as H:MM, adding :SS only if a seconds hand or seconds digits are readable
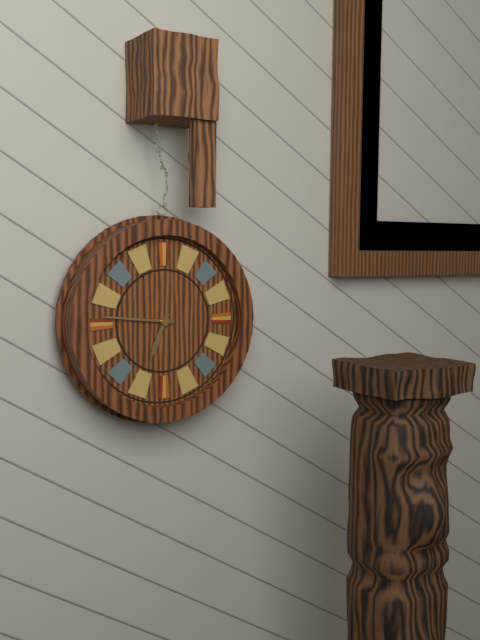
6:46
